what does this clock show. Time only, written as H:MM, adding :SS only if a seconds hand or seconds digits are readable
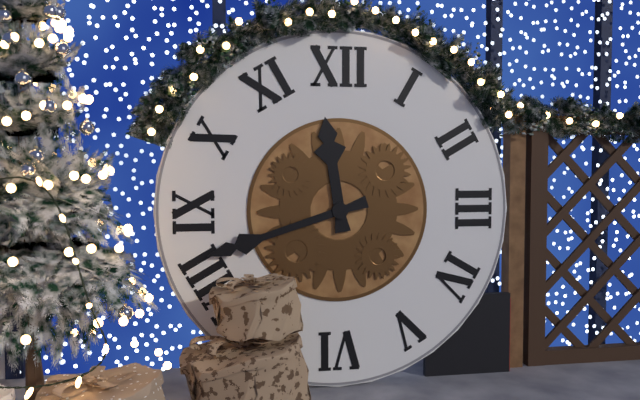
11:42
